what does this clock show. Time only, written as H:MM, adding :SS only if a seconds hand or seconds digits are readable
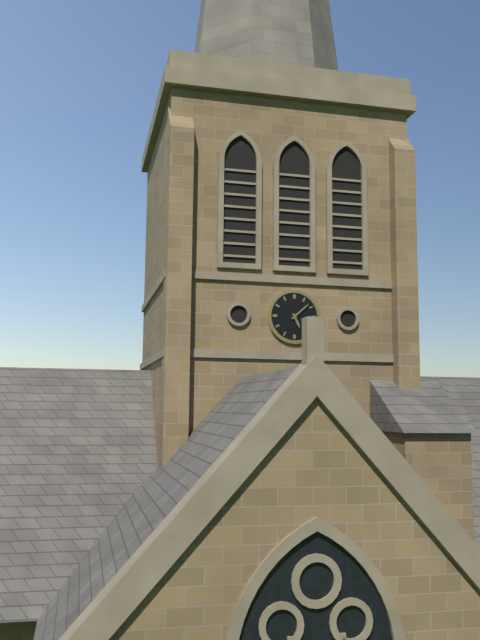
5:08
